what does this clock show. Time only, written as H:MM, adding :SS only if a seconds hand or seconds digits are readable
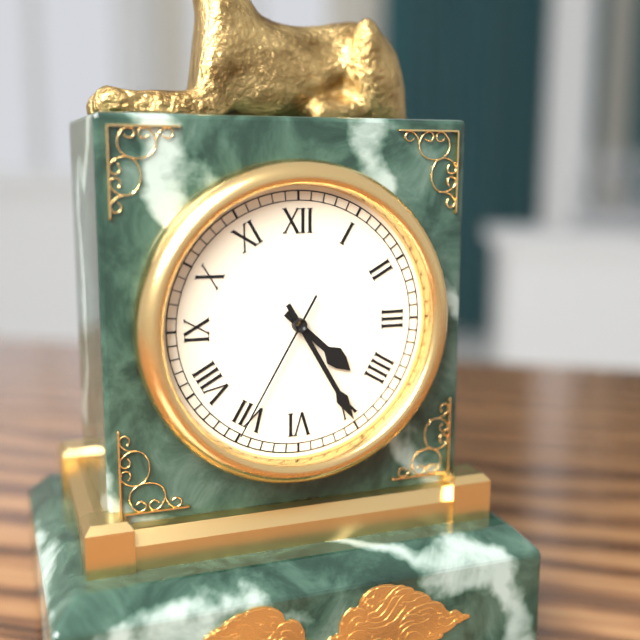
4:25:35
